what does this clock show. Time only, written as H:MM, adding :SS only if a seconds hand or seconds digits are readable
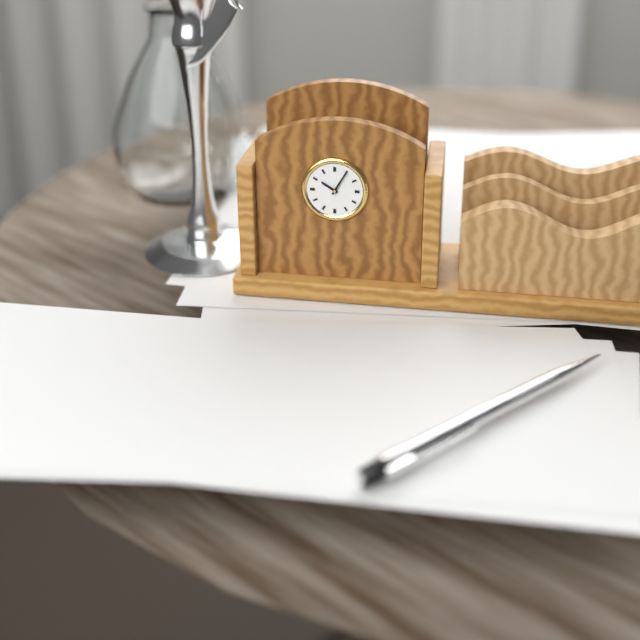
10:05
